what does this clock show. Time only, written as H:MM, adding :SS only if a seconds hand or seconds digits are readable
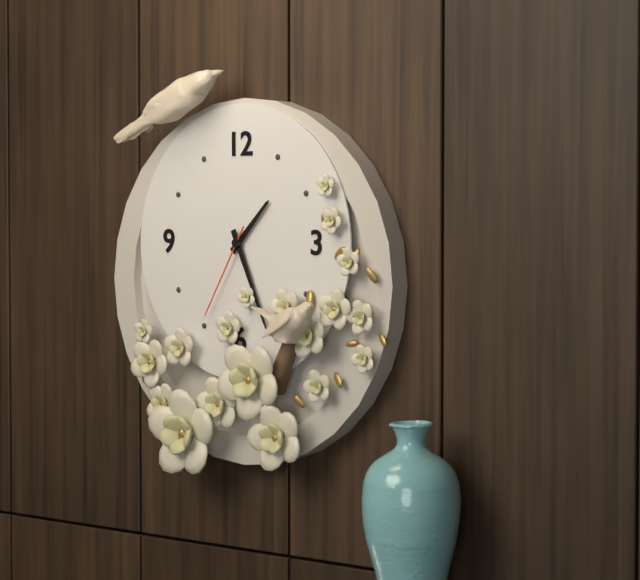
1:26:35
